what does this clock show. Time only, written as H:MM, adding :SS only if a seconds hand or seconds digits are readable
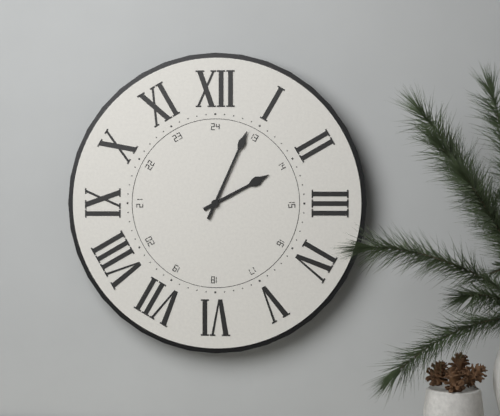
2:04
